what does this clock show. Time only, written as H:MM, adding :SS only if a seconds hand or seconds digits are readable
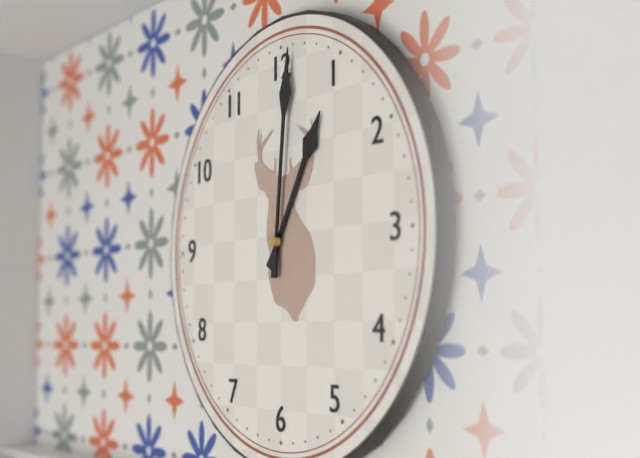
1:01
